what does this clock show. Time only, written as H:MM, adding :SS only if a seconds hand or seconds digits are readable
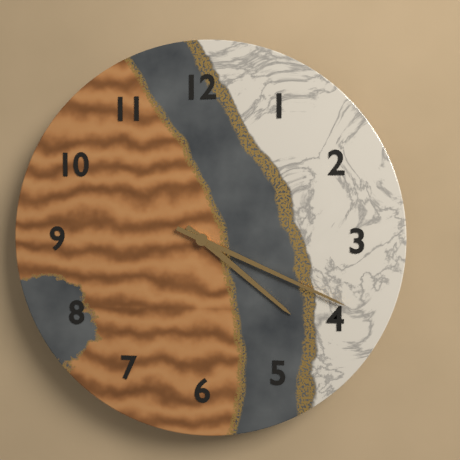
4:19
